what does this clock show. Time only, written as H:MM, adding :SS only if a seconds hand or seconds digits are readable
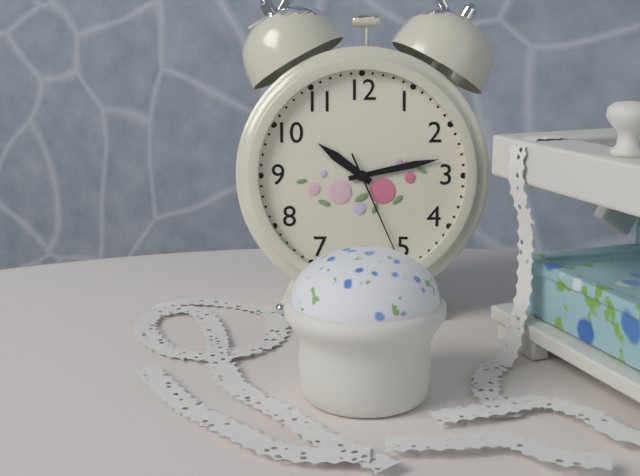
10:13:26
